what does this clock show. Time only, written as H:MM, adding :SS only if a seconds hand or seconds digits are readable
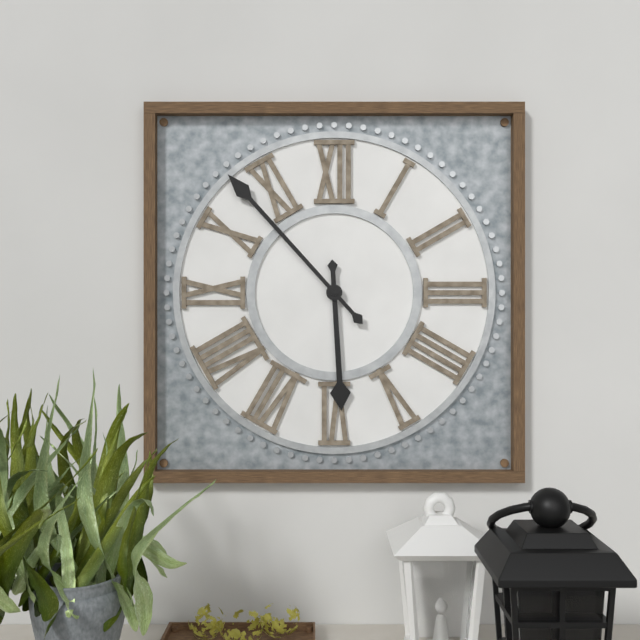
5:53
